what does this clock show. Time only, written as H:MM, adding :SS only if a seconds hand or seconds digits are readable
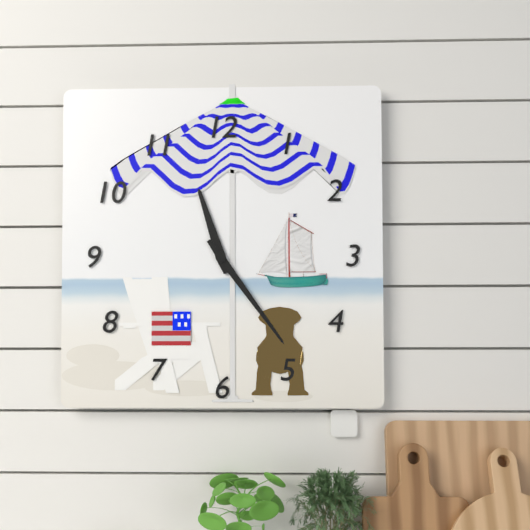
11:24
